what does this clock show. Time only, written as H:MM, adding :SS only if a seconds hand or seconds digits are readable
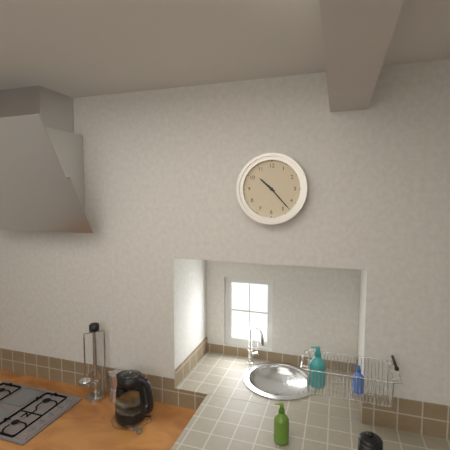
10:23
